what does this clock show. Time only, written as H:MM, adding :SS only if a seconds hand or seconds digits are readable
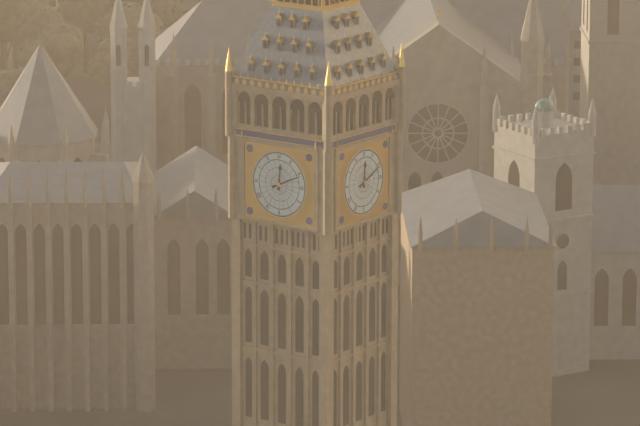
12:11
